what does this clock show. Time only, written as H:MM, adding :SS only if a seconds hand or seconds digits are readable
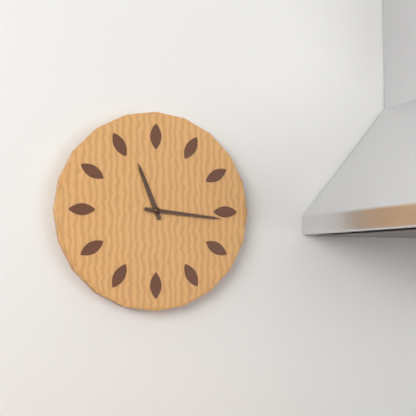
11:16
